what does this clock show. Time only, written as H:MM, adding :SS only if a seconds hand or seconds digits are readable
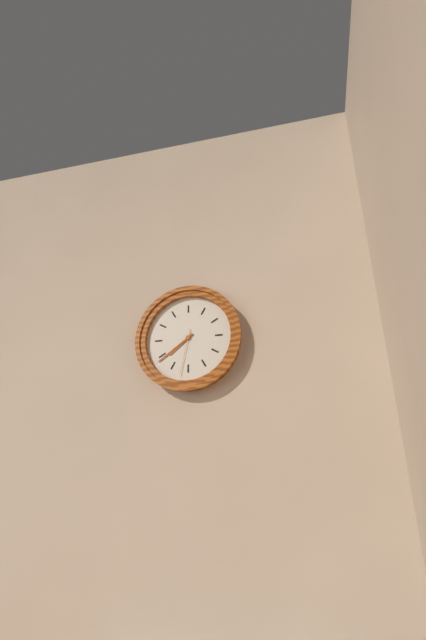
7:39
